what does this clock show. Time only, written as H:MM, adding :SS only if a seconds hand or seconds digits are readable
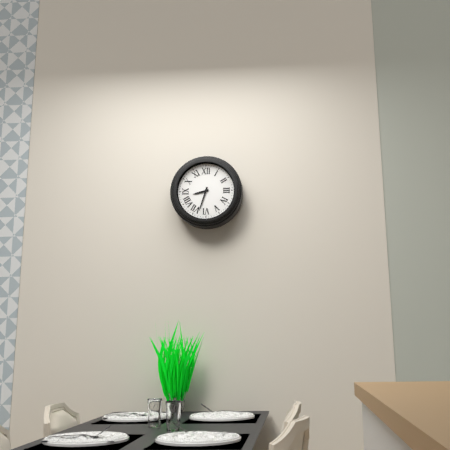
8:33
